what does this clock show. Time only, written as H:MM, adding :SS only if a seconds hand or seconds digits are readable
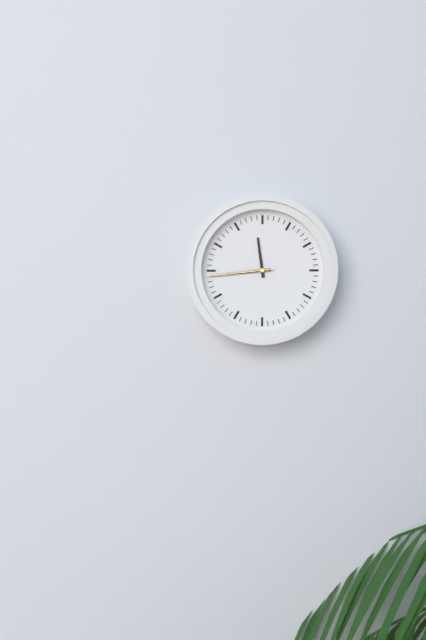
11:44:44
